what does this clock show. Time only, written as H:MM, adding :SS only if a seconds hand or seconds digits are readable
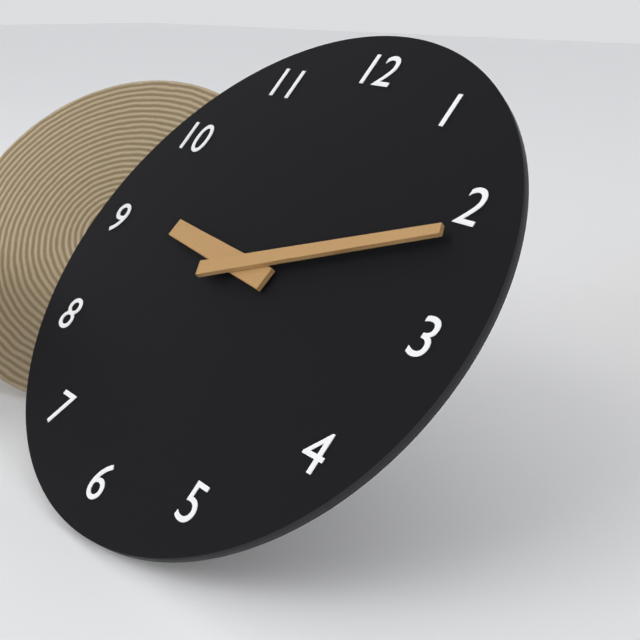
9:11
